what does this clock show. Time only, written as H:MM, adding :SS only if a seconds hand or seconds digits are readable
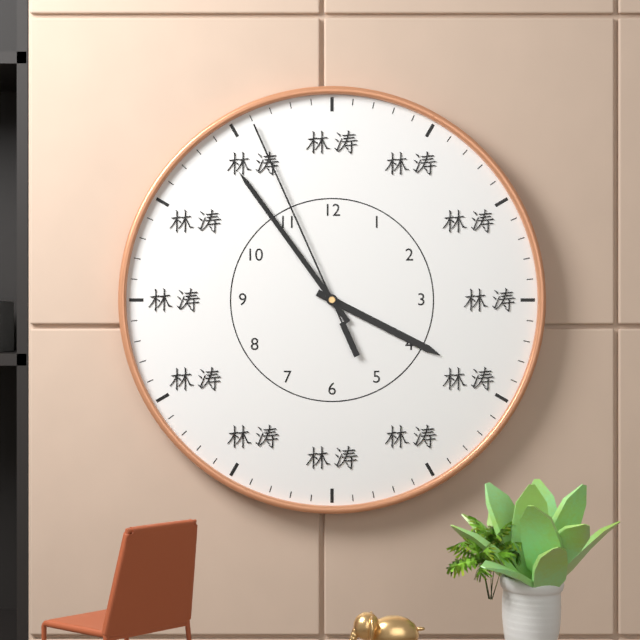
3:54:56
